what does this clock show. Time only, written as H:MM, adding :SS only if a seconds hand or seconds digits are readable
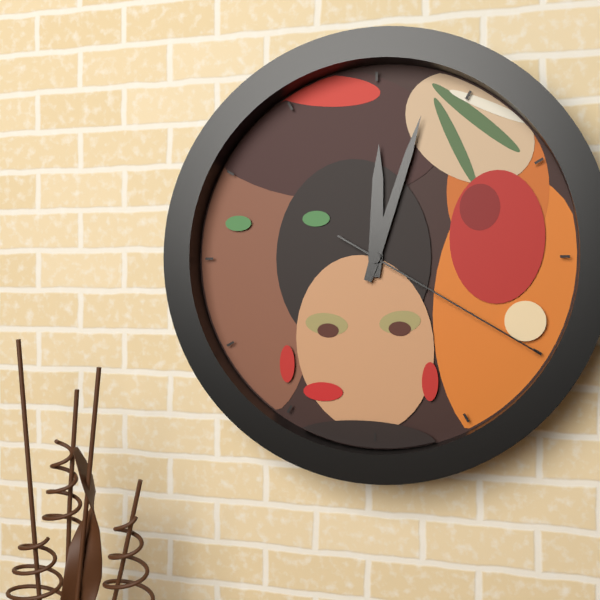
12:03:20
